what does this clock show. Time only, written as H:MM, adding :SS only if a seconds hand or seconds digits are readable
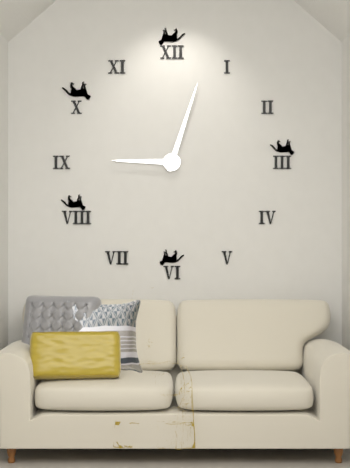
9:03
